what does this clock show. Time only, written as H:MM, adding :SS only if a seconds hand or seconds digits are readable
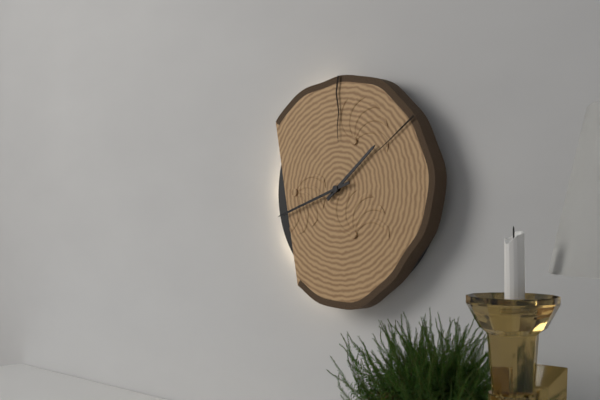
1:42
